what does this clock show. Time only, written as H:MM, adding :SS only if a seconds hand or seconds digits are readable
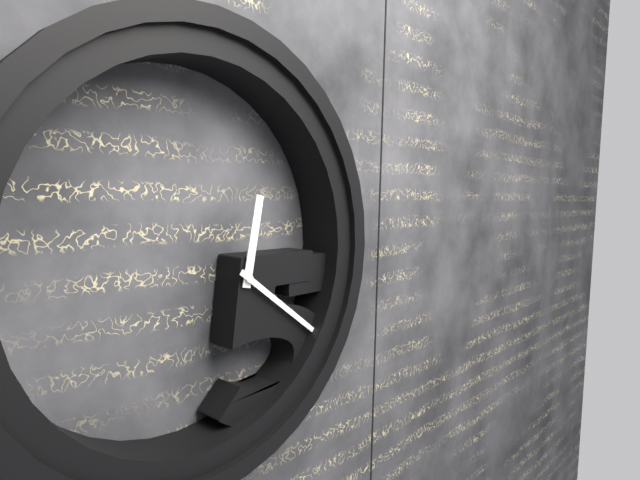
12:21
